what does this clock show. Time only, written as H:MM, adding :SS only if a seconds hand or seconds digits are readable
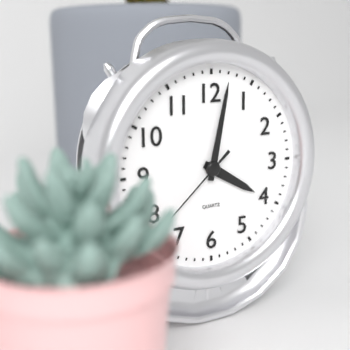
4:02
